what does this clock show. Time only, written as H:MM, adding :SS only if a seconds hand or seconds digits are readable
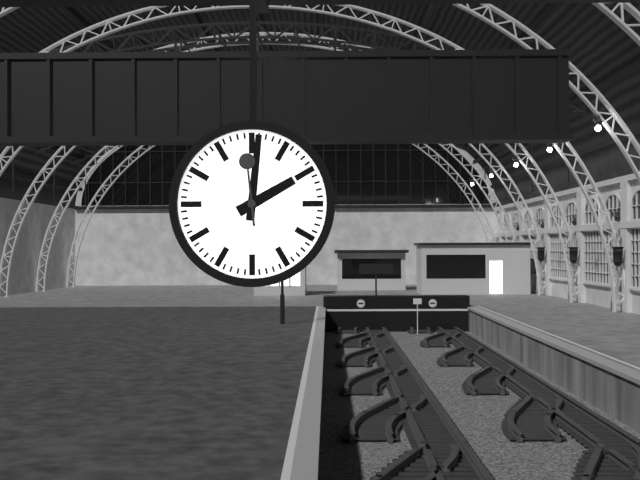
2:01:59
